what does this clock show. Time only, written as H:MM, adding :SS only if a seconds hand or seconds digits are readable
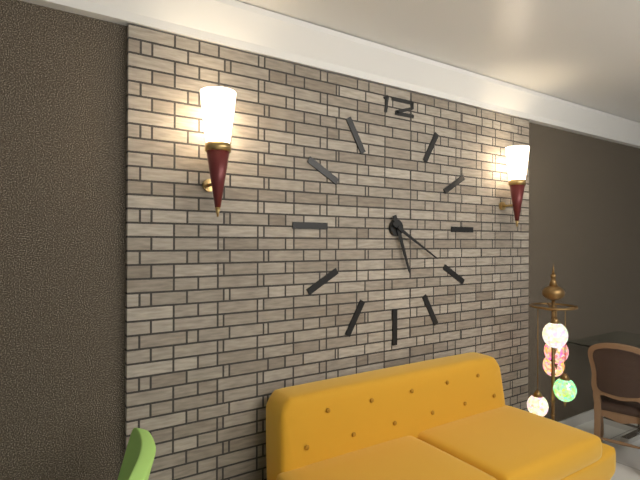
5:20
